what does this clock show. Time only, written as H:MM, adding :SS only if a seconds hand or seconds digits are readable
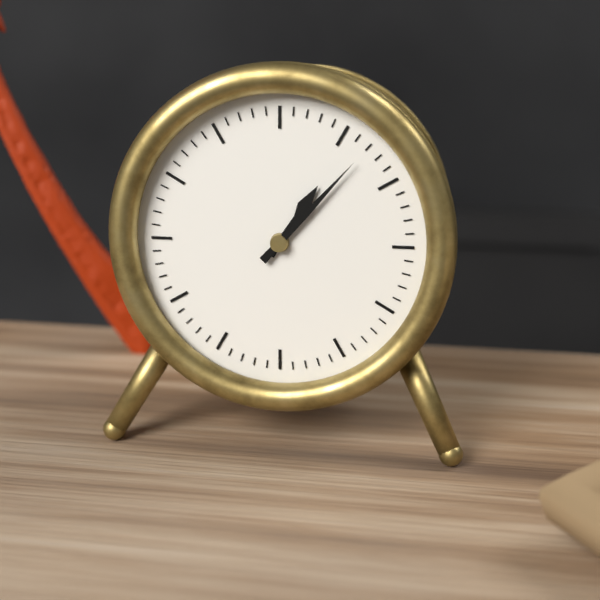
1:07
